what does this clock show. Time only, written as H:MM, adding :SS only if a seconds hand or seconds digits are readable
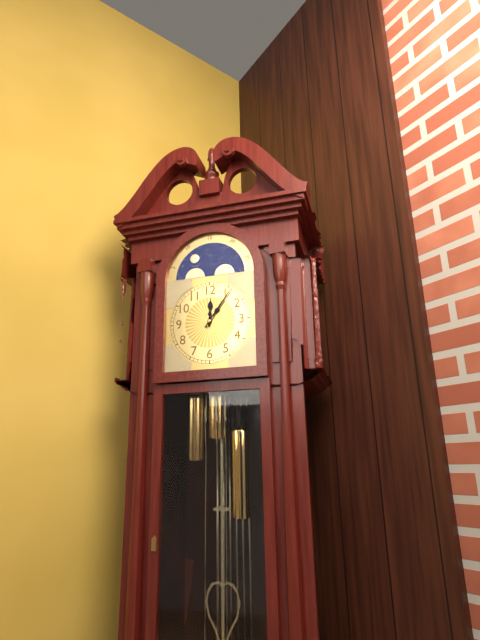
12:06
